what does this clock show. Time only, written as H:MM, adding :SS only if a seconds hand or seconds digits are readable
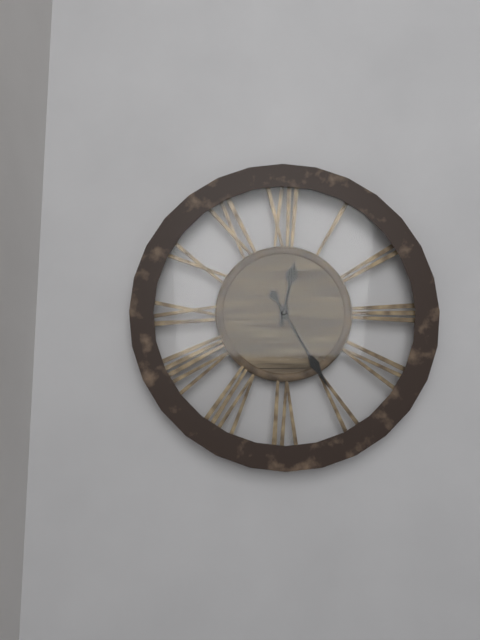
12:25
